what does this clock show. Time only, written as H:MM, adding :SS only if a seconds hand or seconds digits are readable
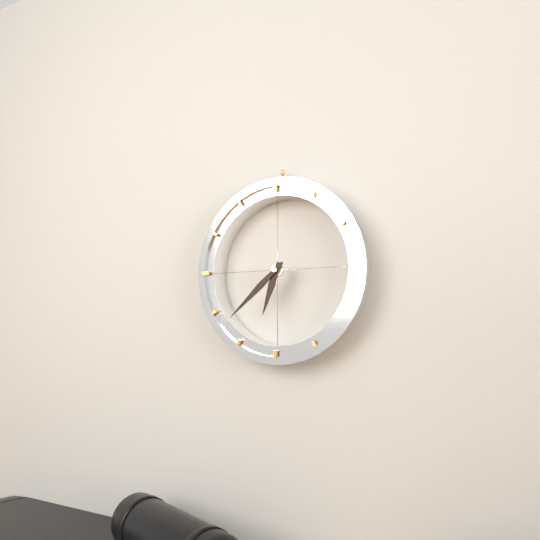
6:38
